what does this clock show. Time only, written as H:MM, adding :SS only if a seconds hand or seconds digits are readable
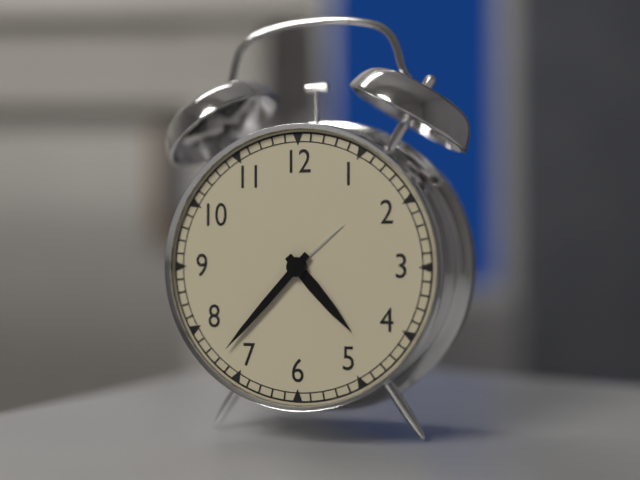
4:37
